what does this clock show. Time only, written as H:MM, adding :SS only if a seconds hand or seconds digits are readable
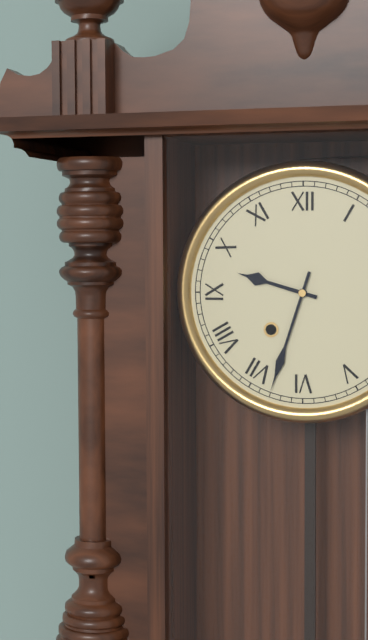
9:33
